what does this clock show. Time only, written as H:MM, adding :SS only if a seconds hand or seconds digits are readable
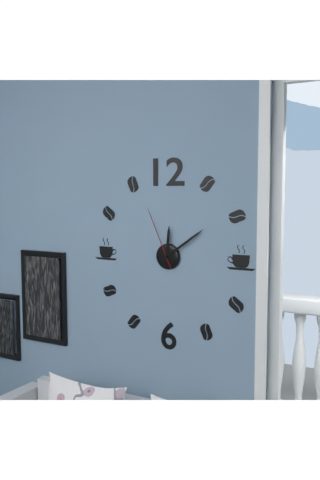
12:09:56
